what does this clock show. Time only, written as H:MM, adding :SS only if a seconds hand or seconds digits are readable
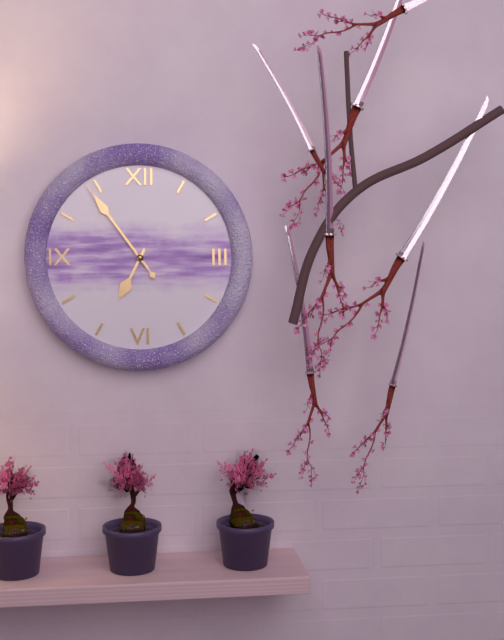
6:54:54
